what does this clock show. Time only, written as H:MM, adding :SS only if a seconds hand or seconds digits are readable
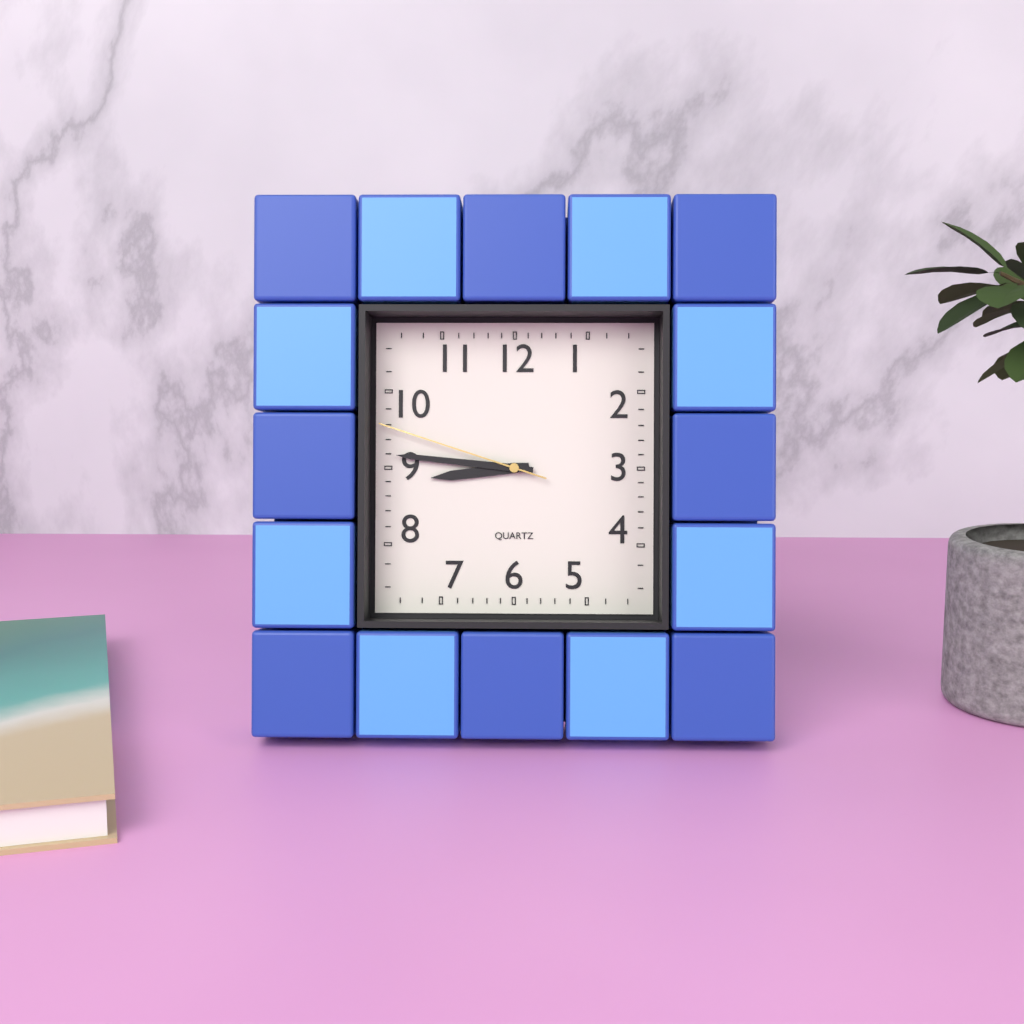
8:46:48
